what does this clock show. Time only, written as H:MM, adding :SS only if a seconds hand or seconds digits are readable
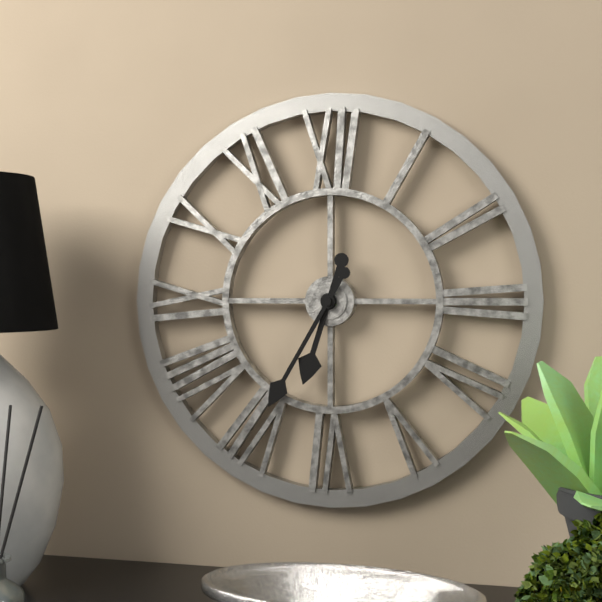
6:35
